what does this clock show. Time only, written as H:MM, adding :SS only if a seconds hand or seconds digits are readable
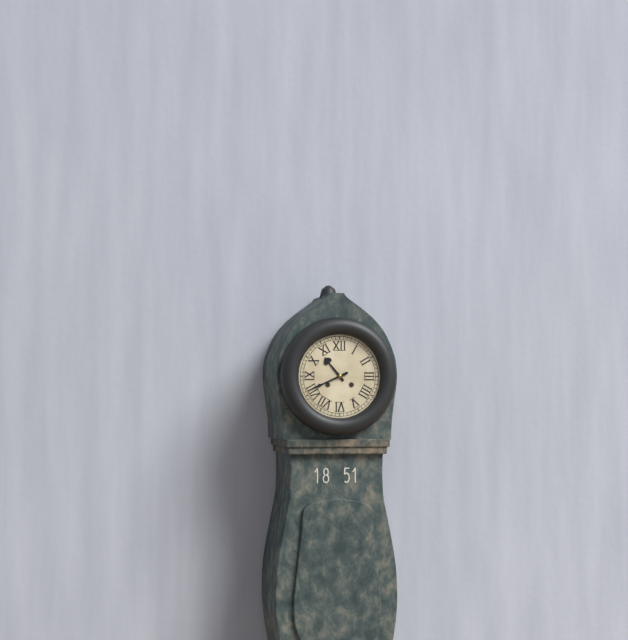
10:41
